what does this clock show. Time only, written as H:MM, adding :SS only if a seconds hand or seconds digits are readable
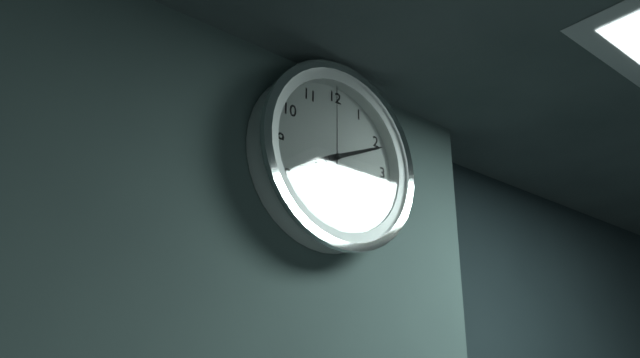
8:11:00
